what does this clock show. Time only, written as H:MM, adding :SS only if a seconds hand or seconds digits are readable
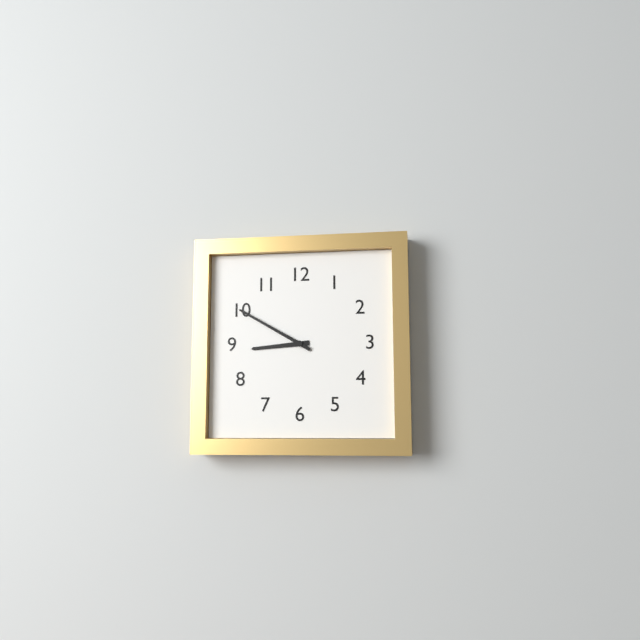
8:50
